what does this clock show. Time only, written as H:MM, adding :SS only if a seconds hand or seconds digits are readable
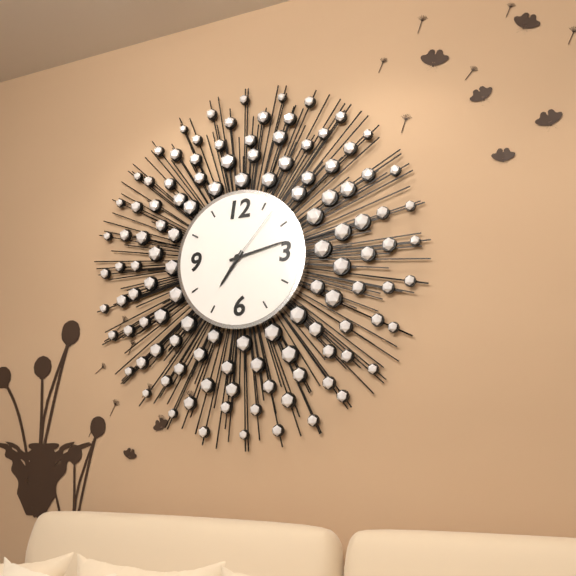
7:13:07
